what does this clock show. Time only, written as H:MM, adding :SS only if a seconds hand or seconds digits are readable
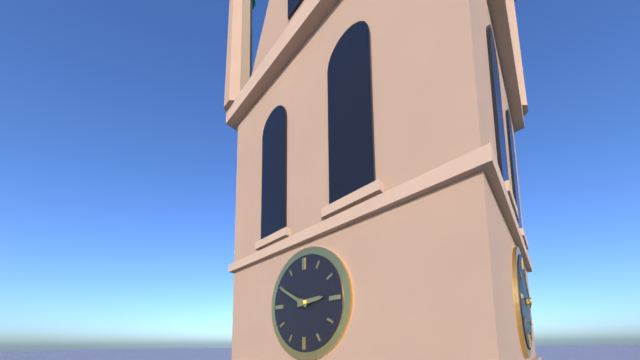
2:50
